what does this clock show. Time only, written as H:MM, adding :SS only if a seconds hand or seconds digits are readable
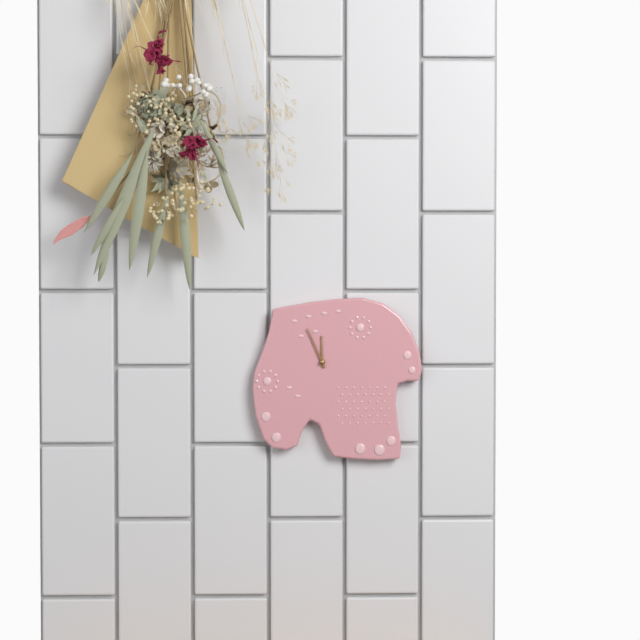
11:56
